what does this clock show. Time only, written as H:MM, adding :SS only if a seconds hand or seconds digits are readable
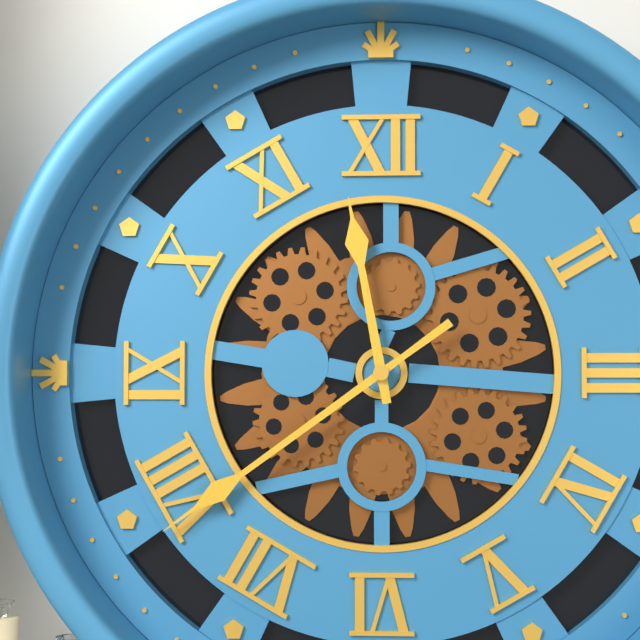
11:39
